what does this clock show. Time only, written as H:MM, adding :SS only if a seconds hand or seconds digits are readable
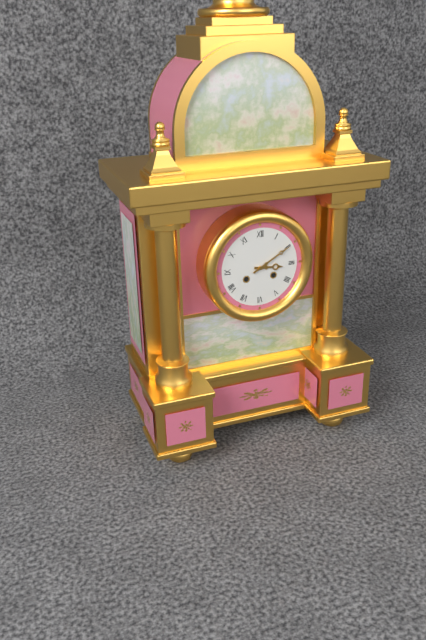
3:10
